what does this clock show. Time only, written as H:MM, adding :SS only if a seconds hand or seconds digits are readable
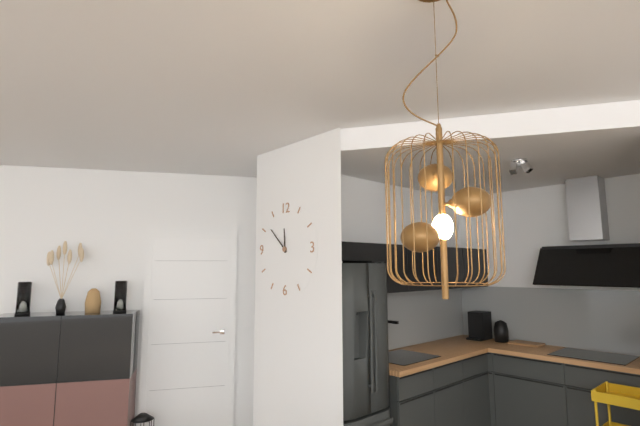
11:52
